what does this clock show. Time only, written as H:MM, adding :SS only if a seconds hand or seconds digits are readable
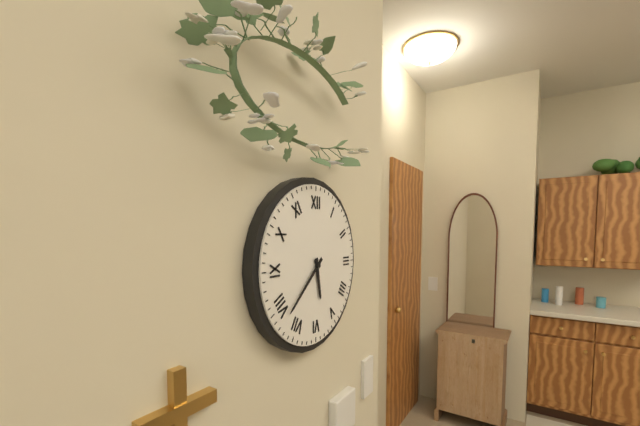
5:38
